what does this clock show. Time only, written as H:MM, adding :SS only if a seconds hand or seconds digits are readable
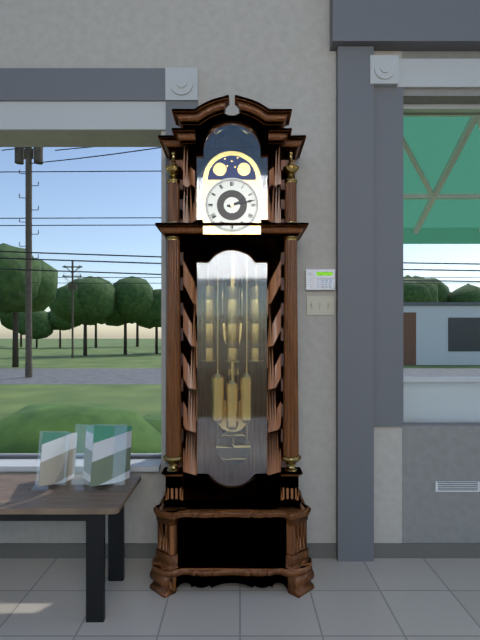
2:13
